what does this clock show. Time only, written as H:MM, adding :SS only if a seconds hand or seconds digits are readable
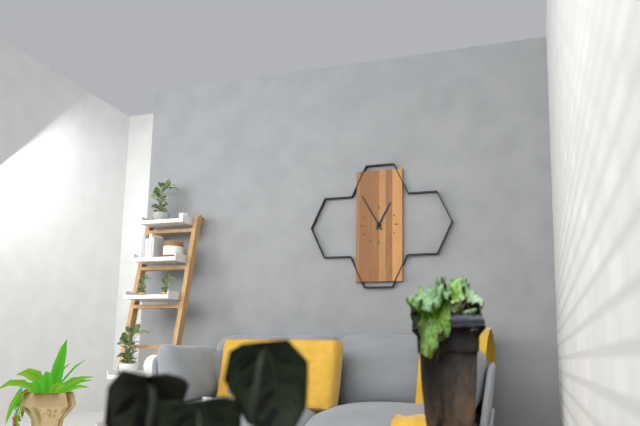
12:55
